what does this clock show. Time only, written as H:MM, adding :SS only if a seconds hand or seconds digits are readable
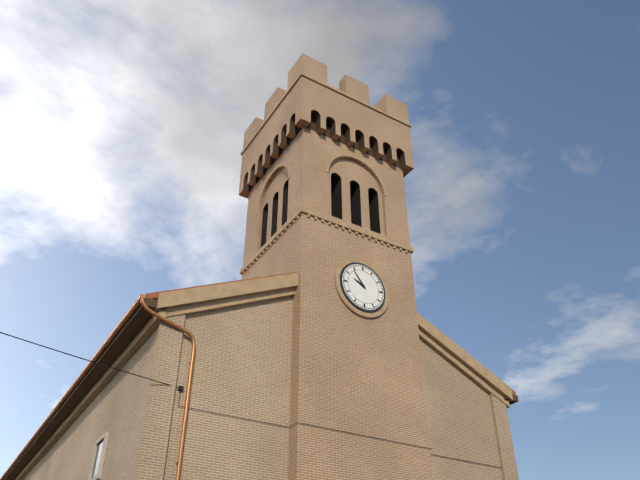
9:54
